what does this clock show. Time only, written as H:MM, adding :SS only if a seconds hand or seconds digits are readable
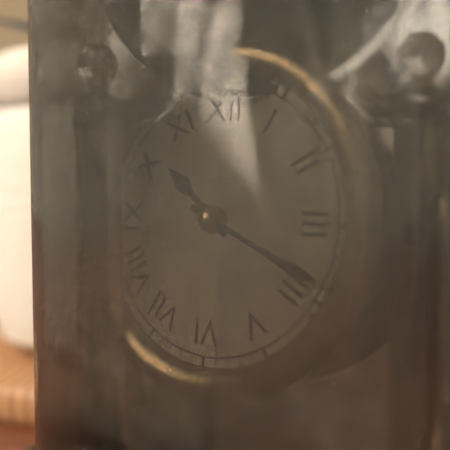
10:19
